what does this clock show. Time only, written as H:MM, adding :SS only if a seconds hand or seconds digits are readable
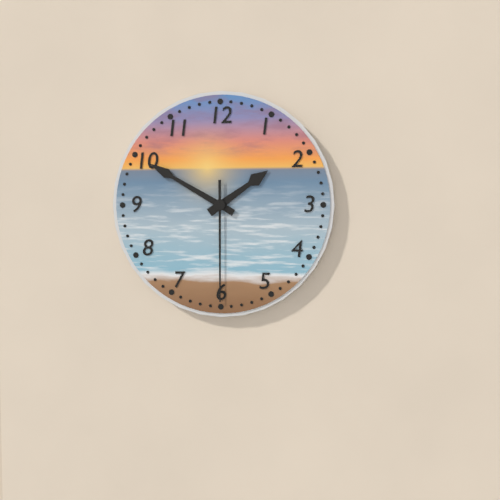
1:50:30
